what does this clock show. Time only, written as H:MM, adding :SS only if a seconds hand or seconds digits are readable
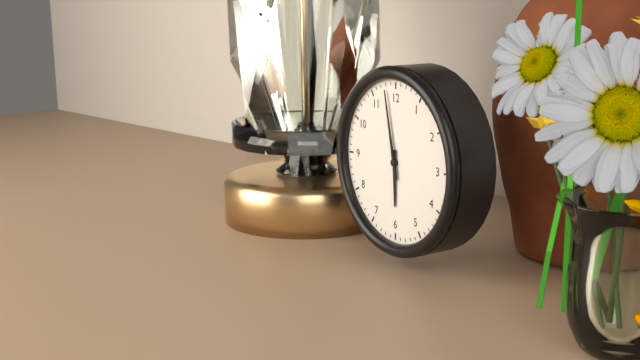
5:58
